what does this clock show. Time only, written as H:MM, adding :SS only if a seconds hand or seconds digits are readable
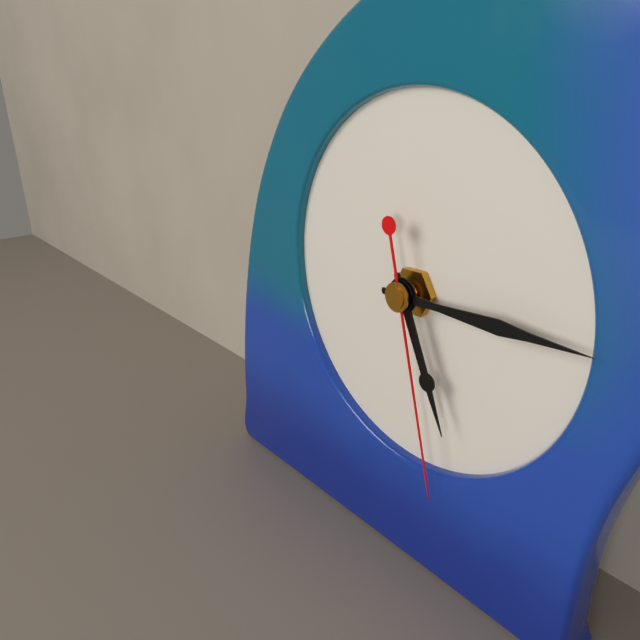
5:15:28
